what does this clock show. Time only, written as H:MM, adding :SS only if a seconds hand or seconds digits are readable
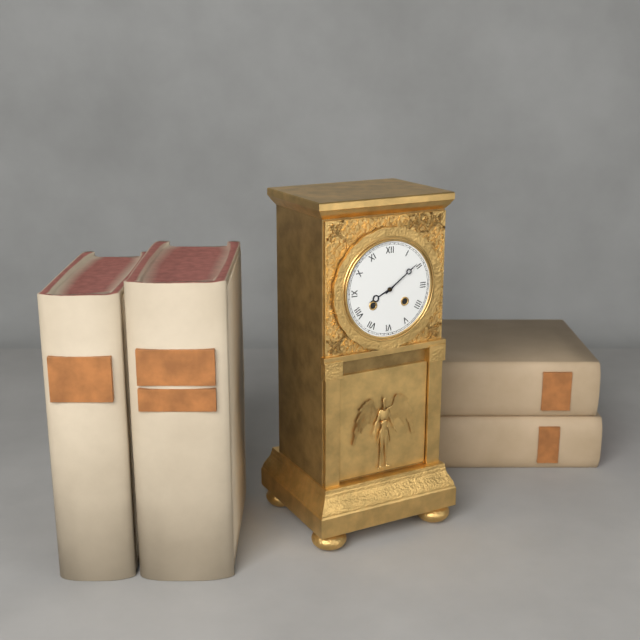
8:09
